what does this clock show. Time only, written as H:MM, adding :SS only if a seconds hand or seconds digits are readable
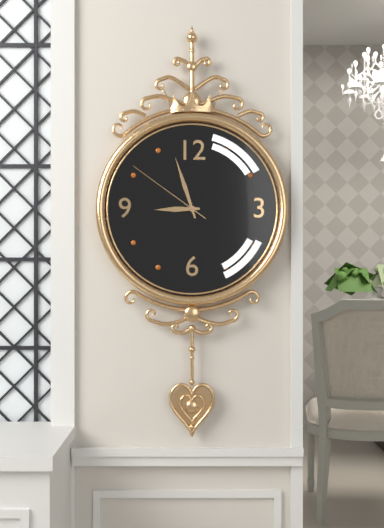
8:57:51
